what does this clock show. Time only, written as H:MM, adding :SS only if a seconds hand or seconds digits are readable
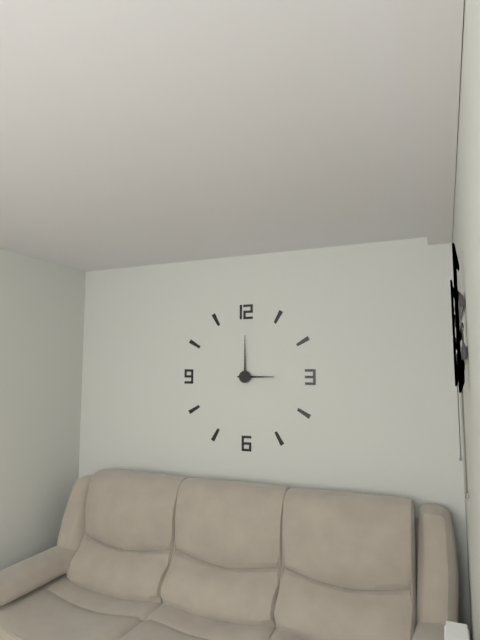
3:00
